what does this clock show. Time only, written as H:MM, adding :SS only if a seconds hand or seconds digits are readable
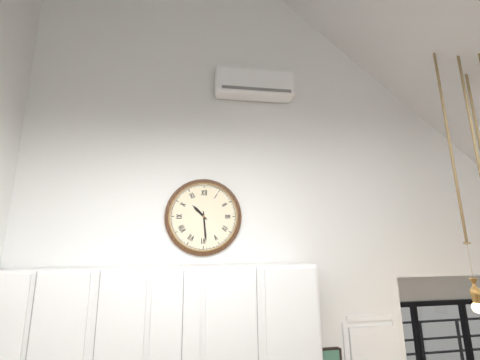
10:29
